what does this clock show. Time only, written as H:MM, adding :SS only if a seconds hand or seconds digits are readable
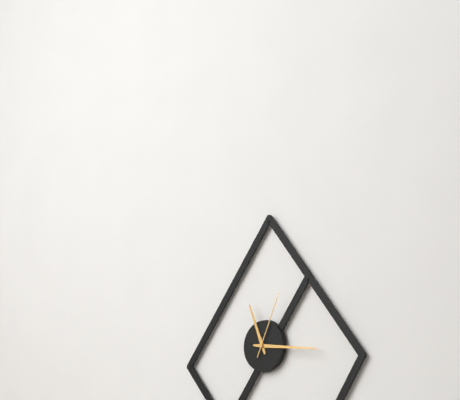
11:16:04
